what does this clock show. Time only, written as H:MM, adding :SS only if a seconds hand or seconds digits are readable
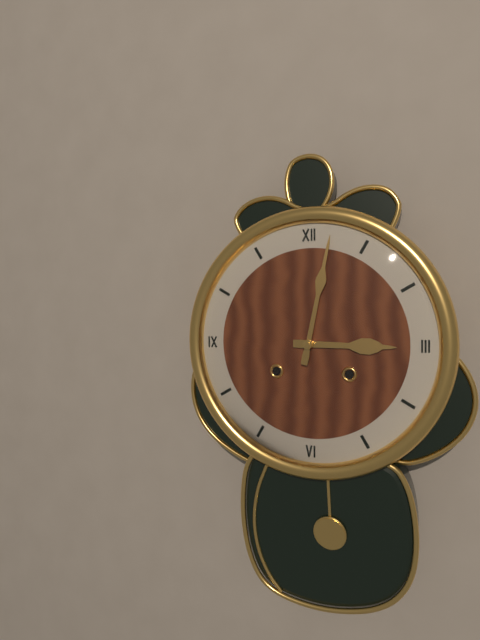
3:02
